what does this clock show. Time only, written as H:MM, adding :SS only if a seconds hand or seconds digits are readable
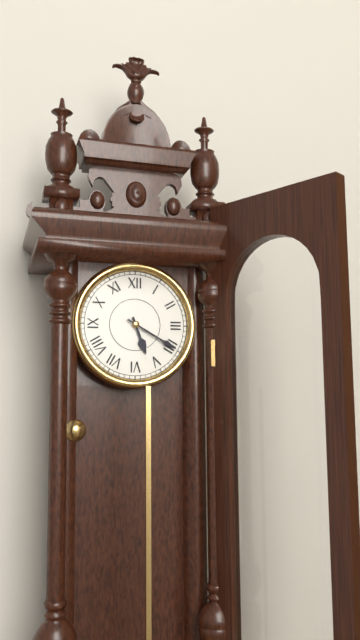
5:20
